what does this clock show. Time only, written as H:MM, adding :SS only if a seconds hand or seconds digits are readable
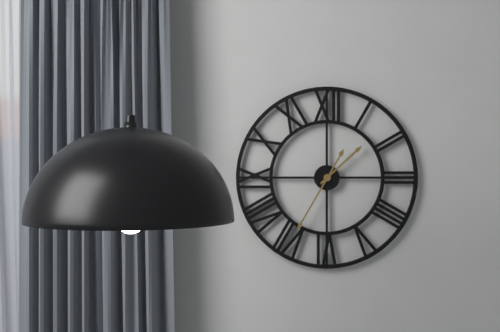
1:35
